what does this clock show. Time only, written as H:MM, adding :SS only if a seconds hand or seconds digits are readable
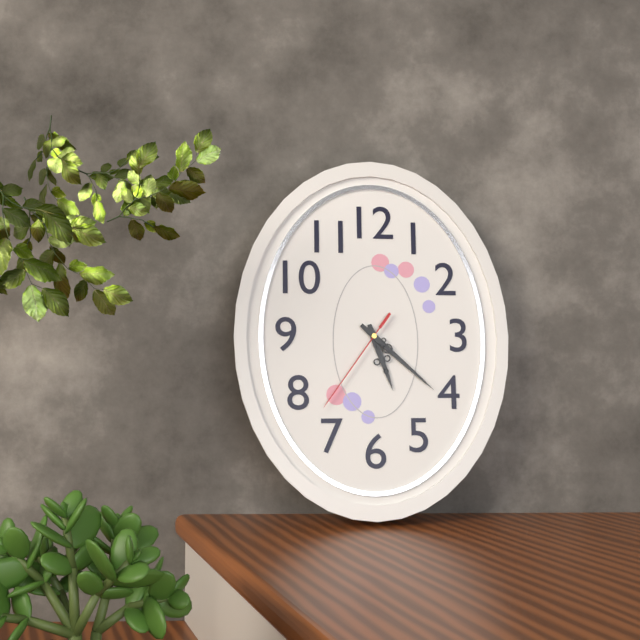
5:22:36
